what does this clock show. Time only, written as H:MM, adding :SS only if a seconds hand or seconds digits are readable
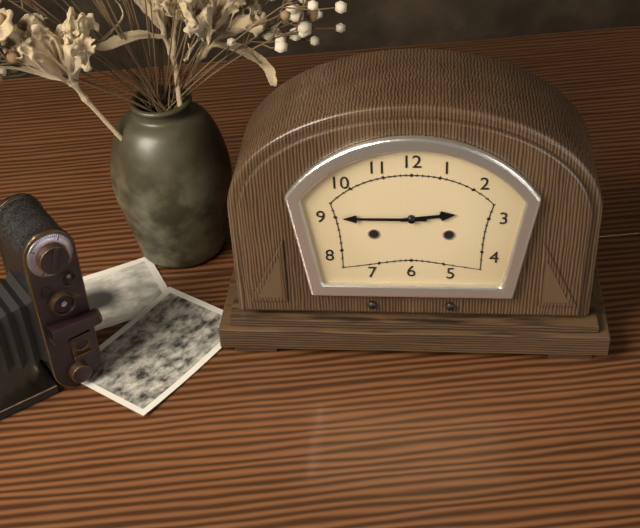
2:45
